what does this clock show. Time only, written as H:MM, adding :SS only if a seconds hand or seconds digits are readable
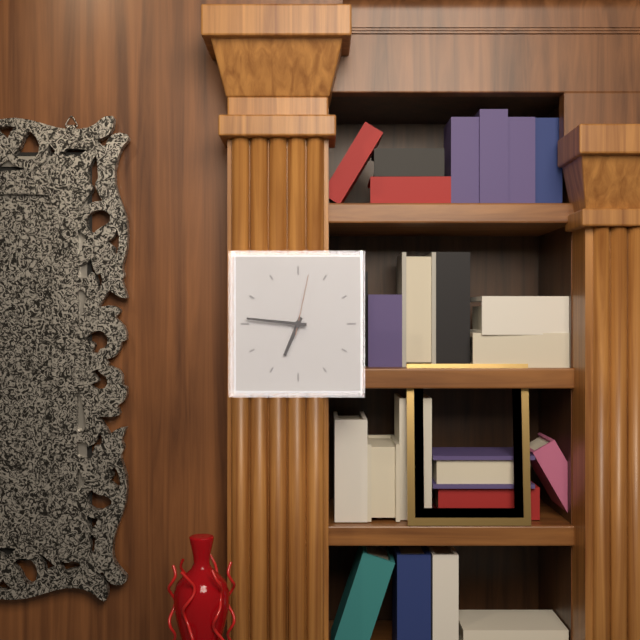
6:46:02
